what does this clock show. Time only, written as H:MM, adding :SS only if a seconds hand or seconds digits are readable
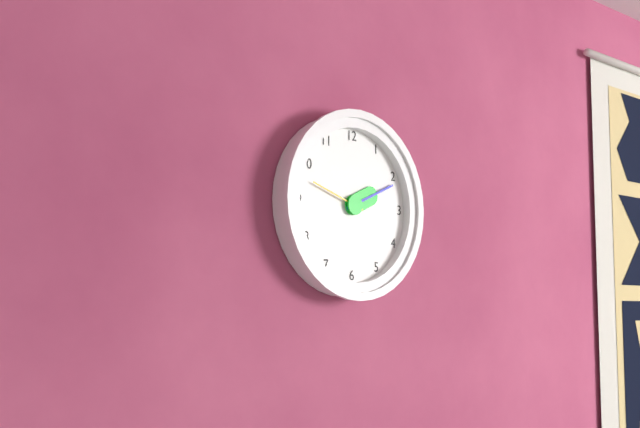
2:11
